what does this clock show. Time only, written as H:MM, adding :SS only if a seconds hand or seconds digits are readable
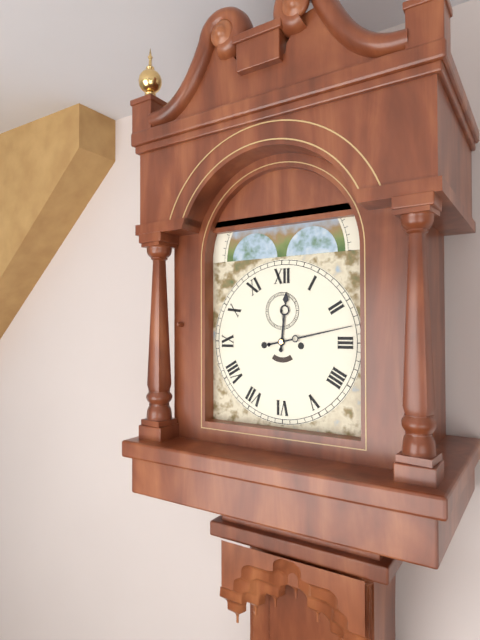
12:13
